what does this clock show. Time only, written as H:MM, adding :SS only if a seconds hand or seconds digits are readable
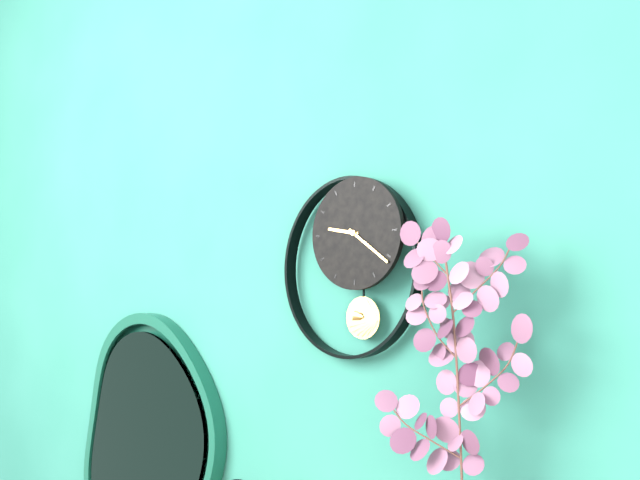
9:21
